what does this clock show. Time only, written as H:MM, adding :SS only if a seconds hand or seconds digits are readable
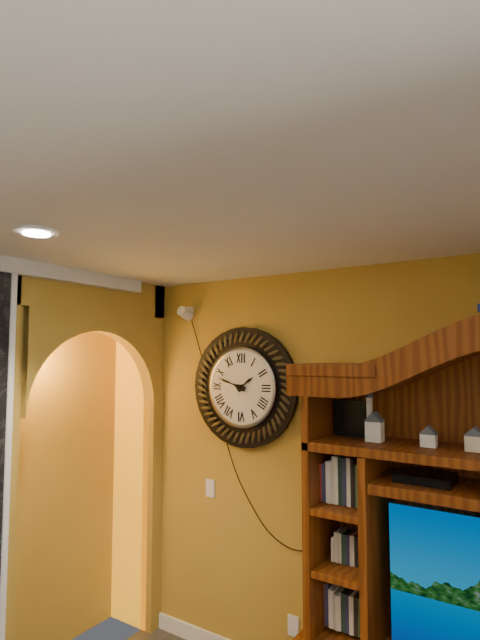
1:48
